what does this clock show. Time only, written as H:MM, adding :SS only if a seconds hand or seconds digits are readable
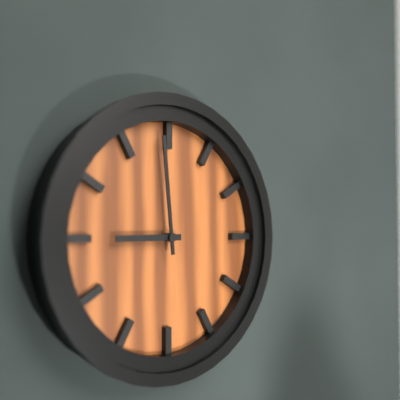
8:59
